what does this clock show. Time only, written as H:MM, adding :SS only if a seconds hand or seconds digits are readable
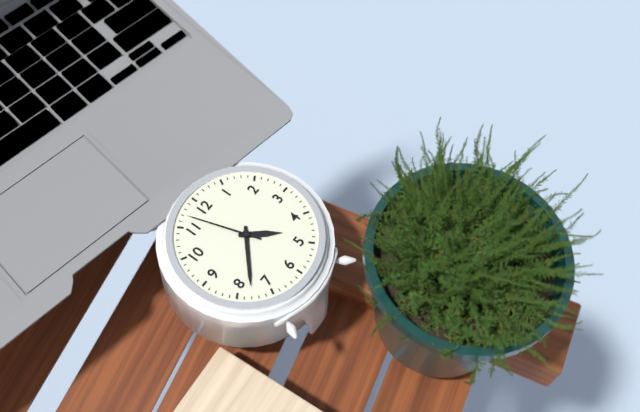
4:38:57
